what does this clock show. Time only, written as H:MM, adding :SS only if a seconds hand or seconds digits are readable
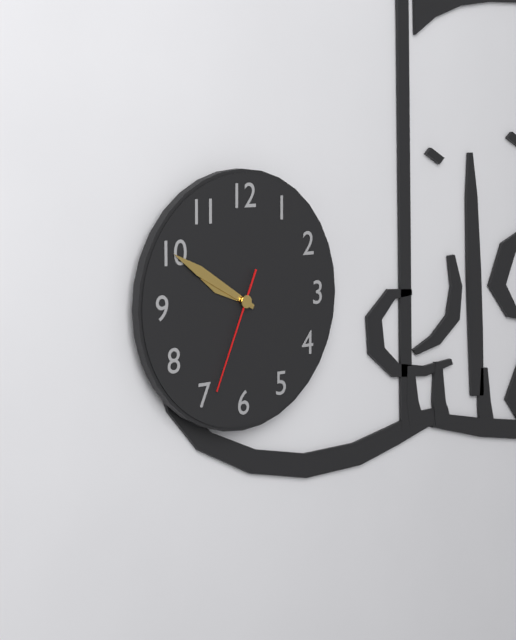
9:50:34
